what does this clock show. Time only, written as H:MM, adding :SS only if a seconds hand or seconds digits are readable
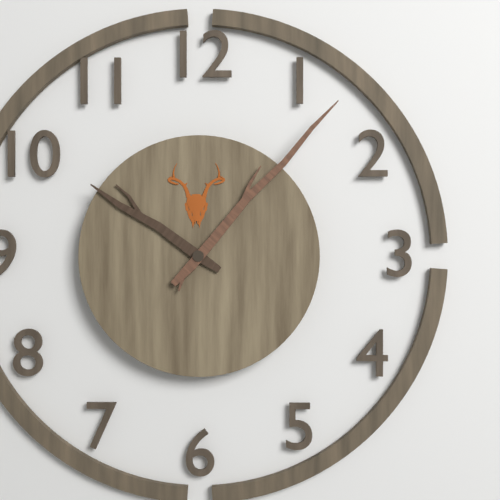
10:07
